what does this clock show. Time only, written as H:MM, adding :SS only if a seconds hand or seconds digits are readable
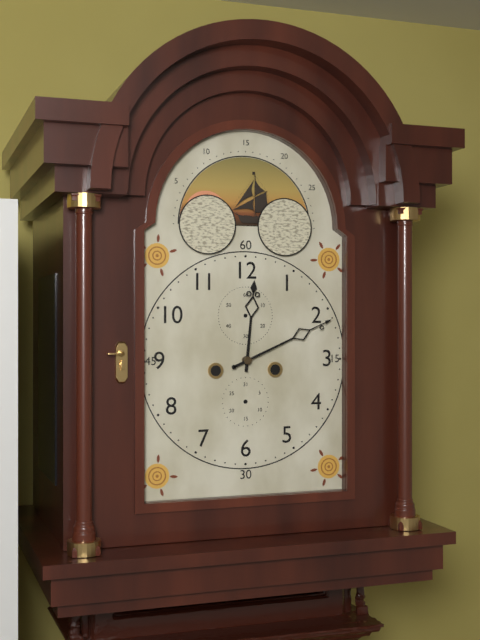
12:11
